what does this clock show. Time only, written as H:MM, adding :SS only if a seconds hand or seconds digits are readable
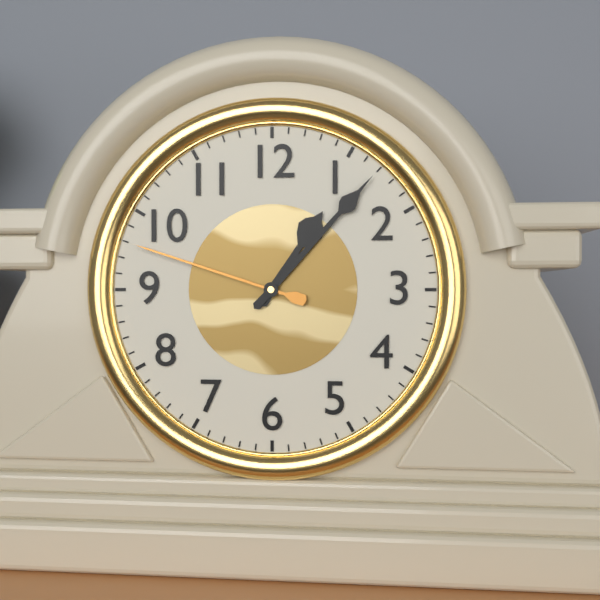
1:07:48
